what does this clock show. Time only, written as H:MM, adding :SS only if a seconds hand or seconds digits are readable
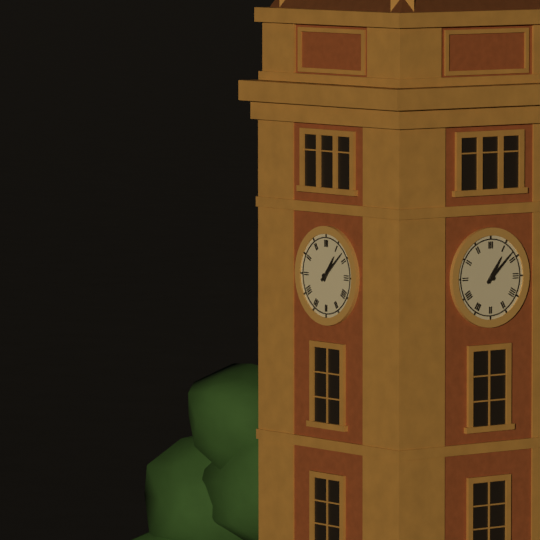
1:08
